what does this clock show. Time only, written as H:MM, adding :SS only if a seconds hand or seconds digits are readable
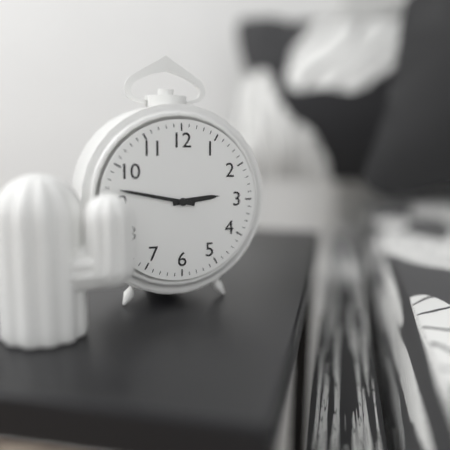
2:47
